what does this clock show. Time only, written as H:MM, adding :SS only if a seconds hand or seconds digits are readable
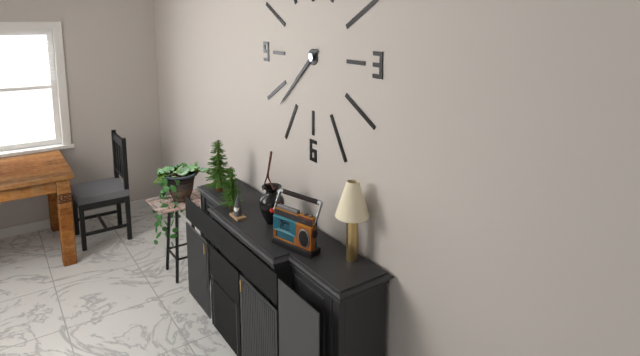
7:38
